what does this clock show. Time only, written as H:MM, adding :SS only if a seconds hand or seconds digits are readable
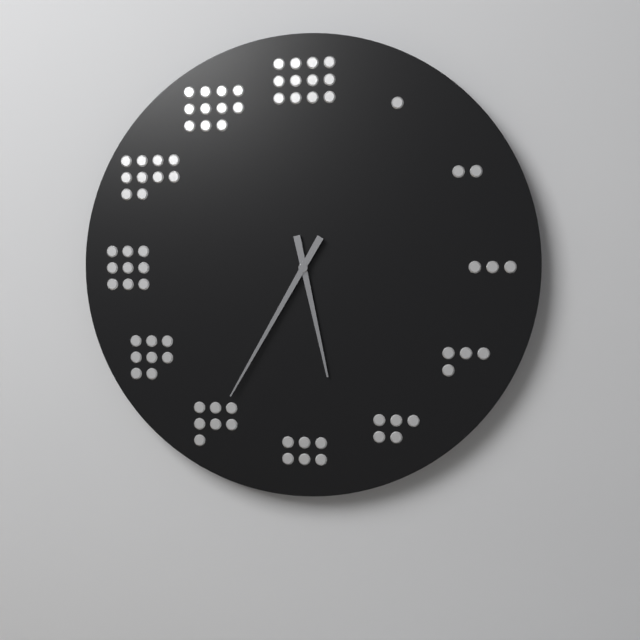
5:35
